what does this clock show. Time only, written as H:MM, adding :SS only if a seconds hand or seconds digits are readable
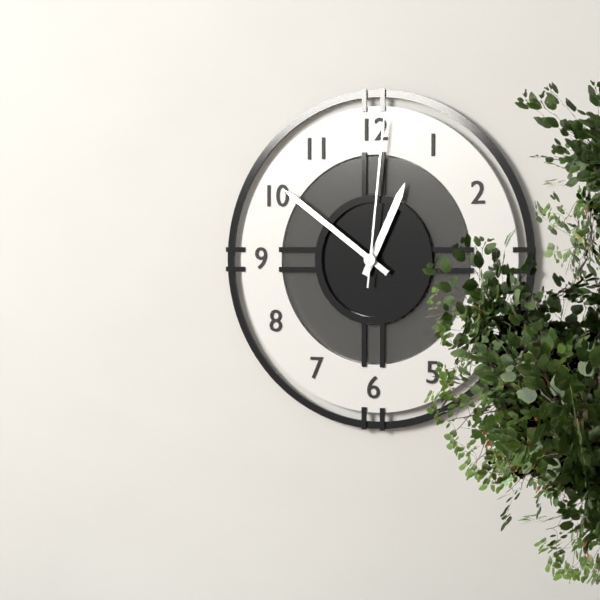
12:51:01
